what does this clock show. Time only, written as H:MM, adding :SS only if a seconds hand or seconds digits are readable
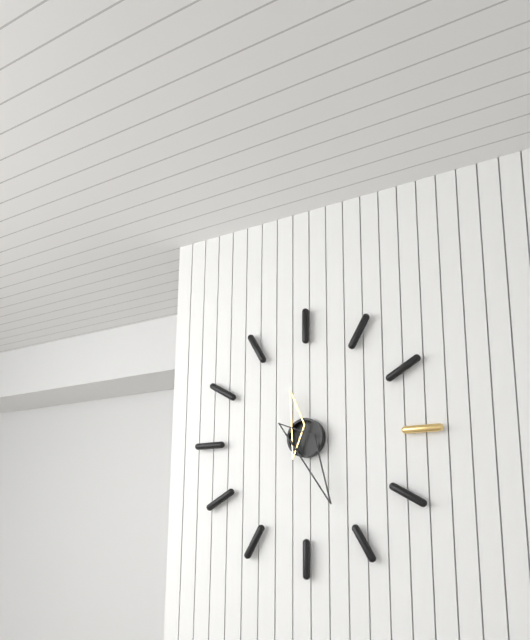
11:26
